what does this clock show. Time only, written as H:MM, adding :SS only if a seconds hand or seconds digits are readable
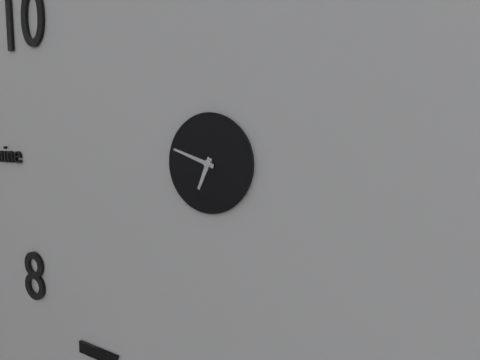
6:48
